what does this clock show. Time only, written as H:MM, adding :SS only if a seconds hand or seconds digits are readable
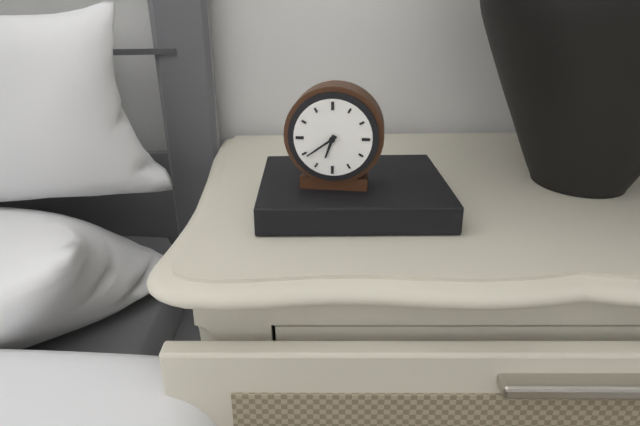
6:39
